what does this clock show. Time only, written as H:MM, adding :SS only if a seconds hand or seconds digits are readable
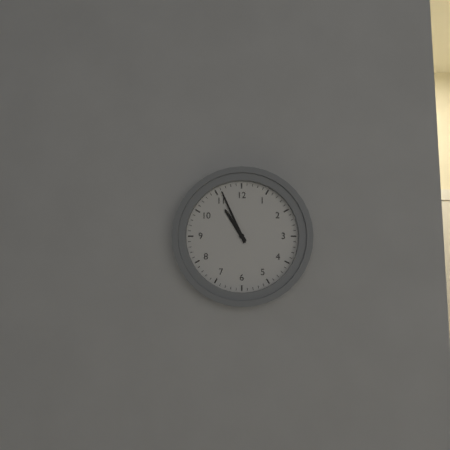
10:56
